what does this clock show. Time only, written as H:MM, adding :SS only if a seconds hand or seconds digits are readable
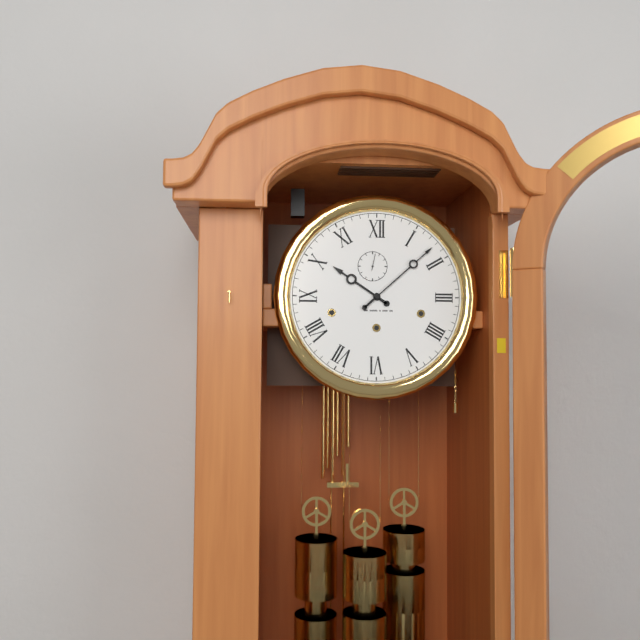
10:08
